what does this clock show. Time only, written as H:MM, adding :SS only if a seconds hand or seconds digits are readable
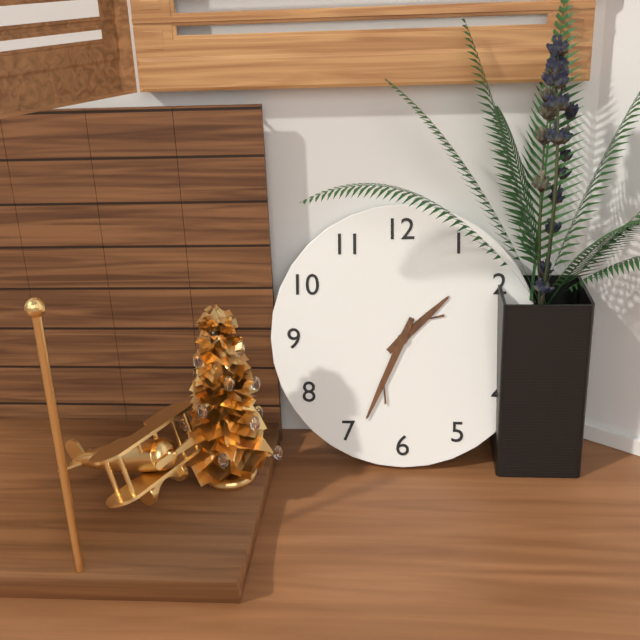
1:34
